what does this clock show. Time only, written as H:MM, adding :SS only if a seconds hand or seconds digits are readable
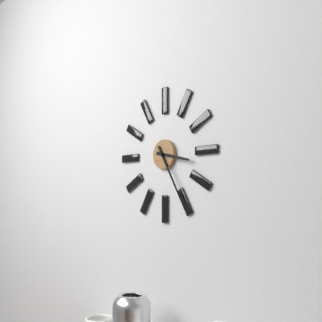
3:25
